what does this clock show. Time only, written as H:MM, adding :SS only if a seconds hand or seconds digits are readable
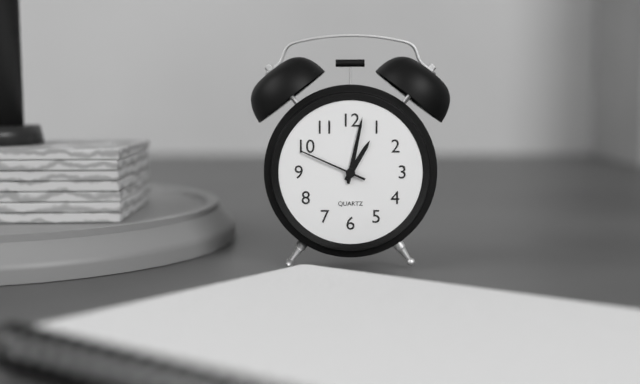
1:02:49
